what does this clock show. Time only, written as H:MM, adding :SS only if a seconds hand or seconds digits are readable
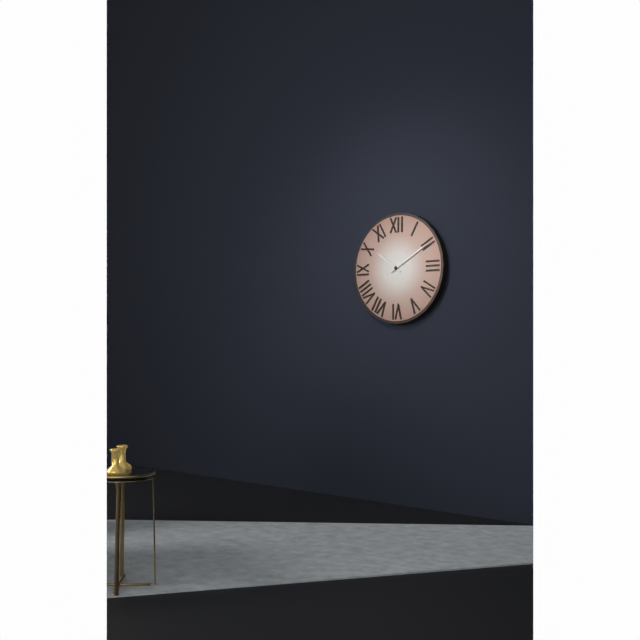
10:10
